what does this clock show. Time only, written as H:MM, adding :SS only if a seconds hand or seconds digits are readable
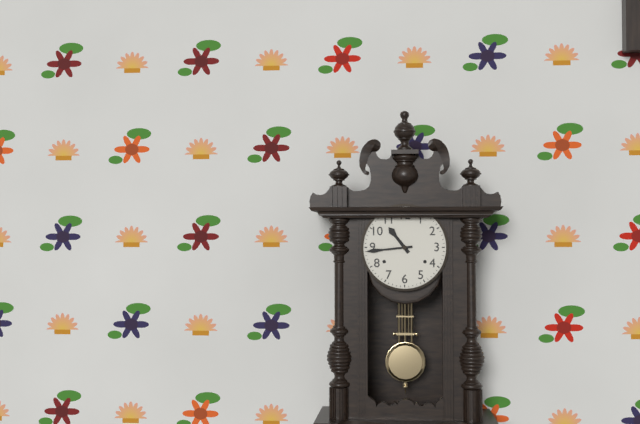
10:44
